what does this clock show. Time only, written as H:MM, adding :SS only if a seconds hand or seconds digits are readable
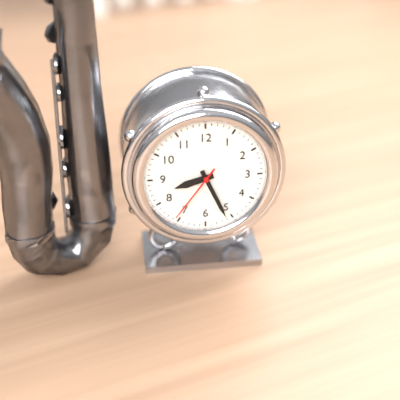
8:26:36
